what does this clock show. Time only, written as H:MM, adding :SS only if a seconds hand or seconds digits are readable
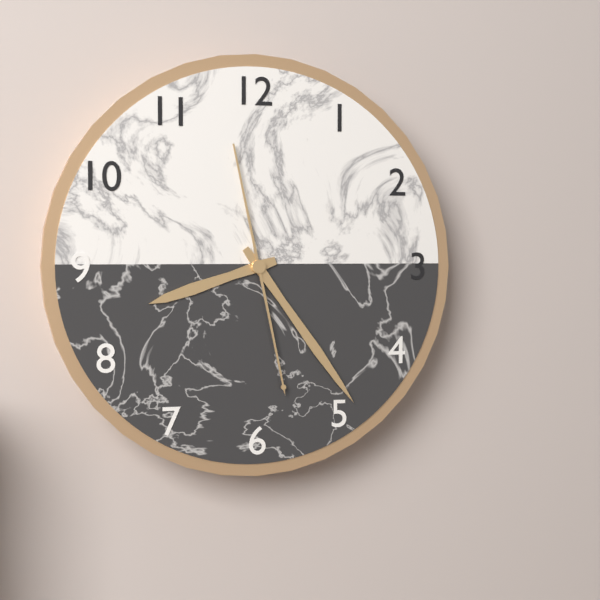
8:24:28
